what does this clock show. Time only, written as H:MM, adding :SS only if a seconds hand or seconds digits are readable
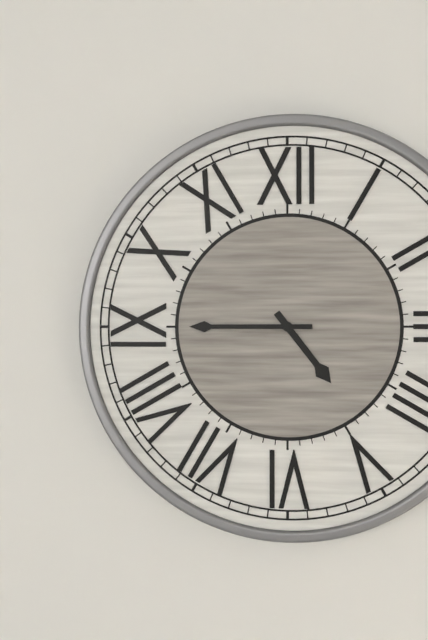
4:45
